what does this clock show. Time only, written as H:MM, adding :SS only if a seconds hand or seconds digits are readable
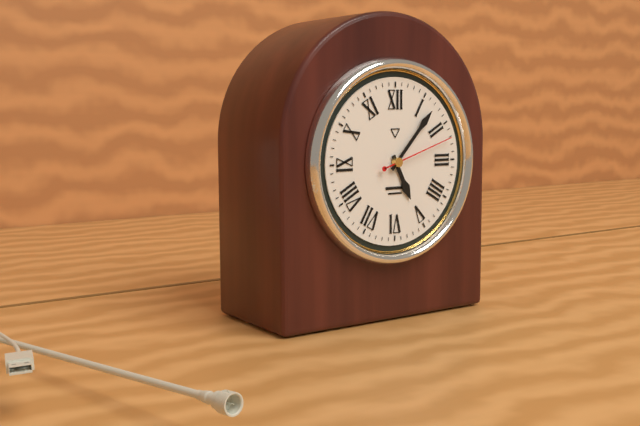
5:07:12
